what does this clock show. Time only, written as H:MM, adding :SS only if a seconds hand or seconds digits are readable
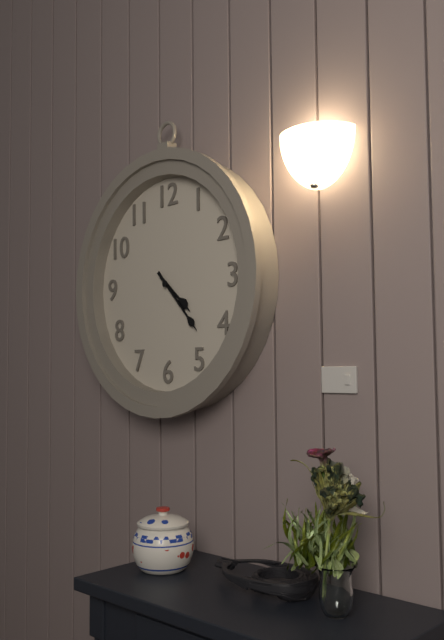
4:23
